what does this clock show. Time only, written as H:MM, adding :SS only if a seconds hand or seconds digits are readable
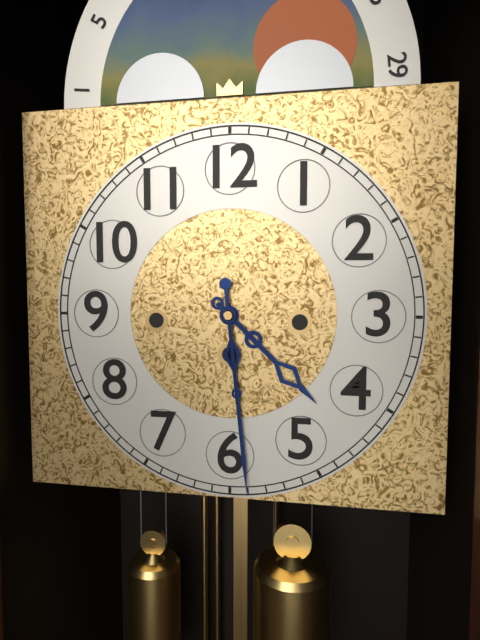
4:29
